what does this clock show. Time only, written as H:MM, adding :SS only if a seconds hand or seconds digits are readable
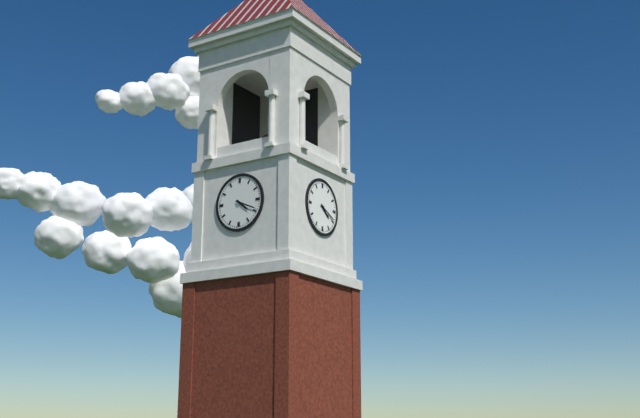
4:19
